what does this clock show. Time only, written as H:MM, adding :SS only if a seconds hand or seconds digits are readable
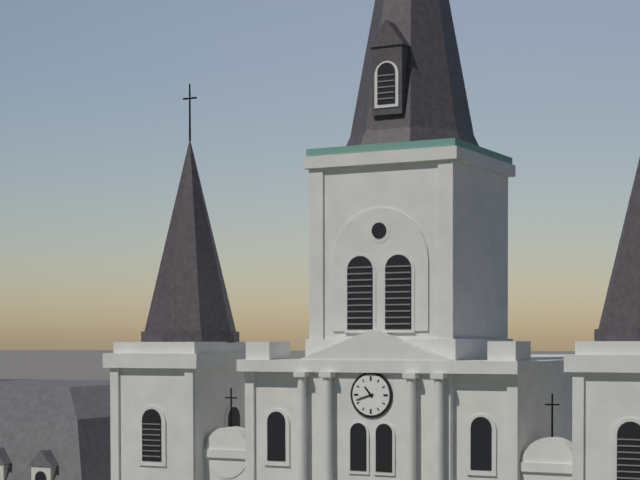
10:42
